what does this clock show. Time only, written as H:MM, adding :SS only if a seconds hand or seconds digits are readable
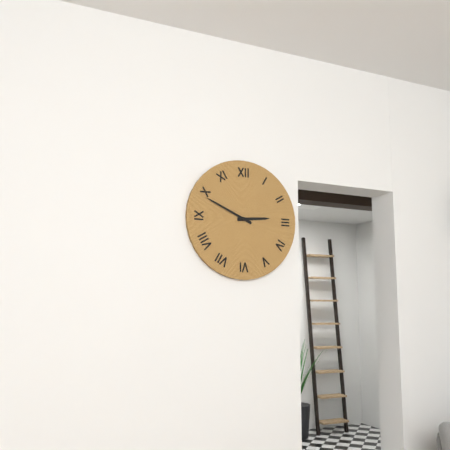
2:49
